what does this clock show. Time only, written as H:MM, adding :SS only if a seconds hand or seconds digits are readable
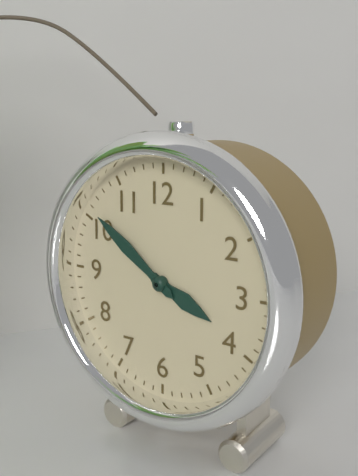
3:51
